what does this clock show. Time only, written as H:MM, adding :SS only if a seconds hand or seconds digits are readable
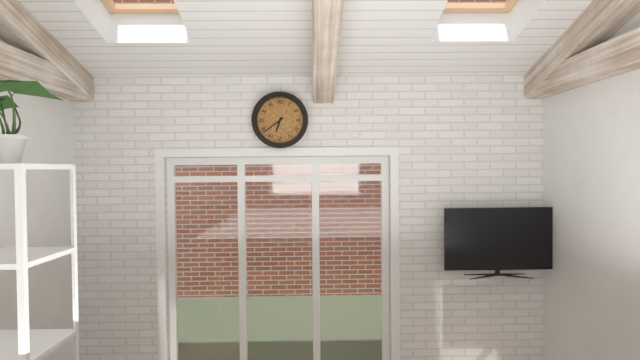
6:39
